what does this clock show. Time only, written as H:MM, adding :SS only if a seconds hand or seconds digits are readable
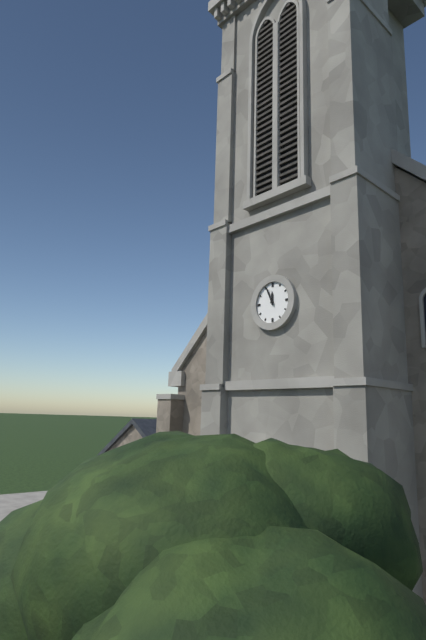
11:56
